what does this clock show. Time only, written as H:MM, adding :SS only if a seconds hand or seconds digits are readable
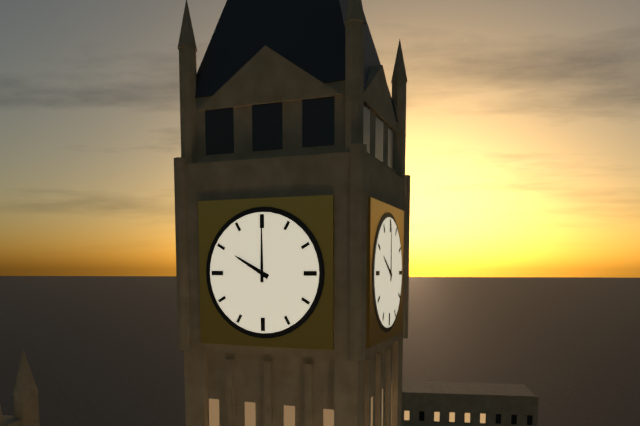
10:00
